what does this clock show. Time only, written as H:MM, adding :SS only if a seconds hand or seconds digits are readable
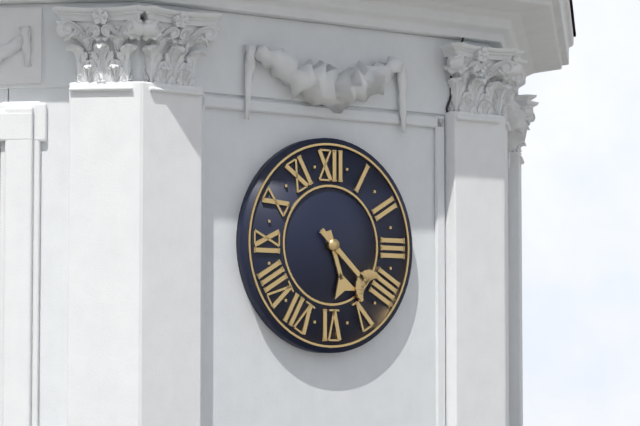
5:22
